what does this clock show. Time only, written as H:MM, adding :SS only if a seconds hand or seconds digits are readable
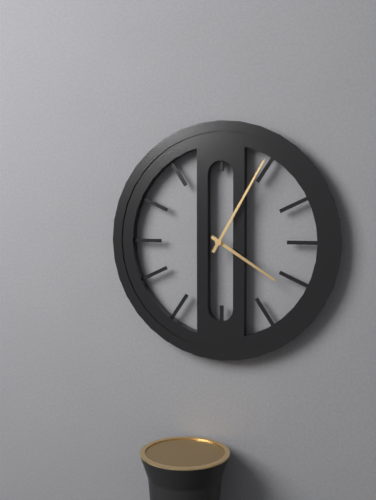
4:05
